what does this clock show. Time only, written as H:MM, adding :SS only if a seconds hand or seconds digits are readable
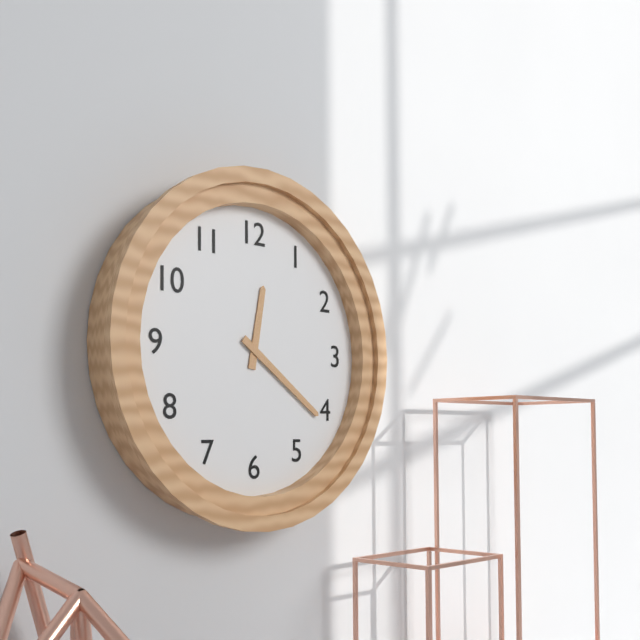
12:21
